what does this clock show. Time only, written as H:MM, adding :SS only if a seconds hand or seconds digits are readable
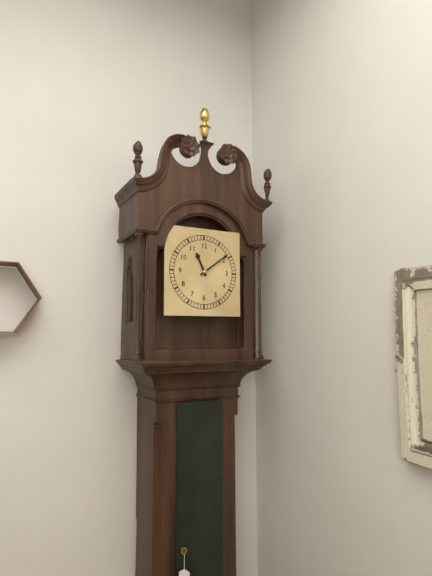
11:09
